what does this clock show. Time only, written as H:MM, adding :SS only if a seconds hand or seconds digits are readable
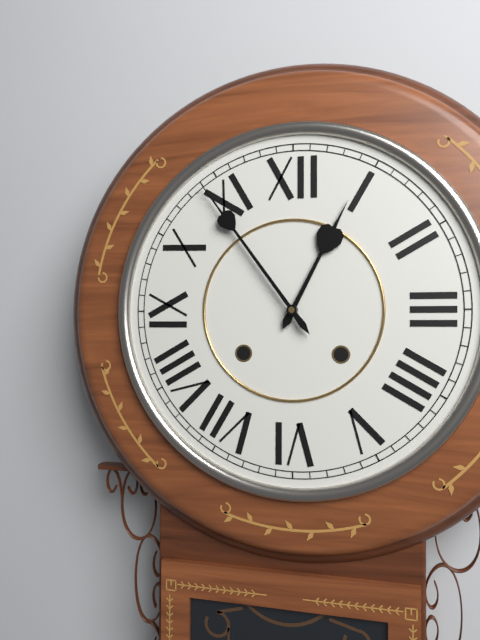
12:54
